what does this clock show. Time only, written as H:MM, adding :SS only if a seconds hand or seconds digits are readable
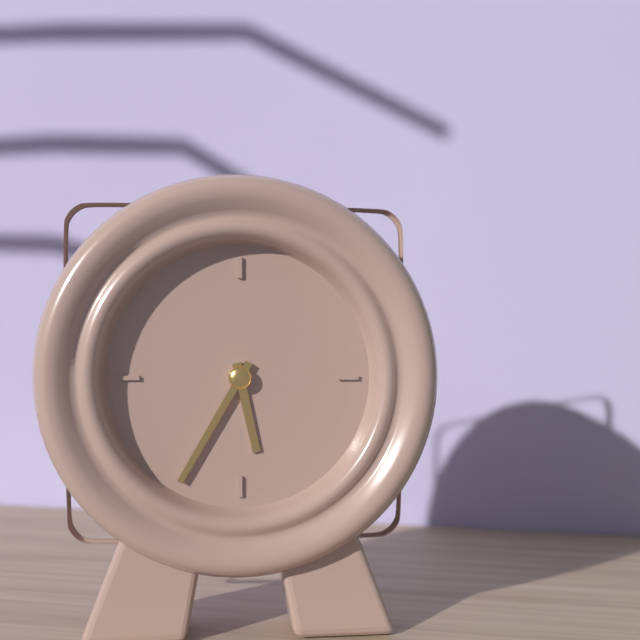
5:35
